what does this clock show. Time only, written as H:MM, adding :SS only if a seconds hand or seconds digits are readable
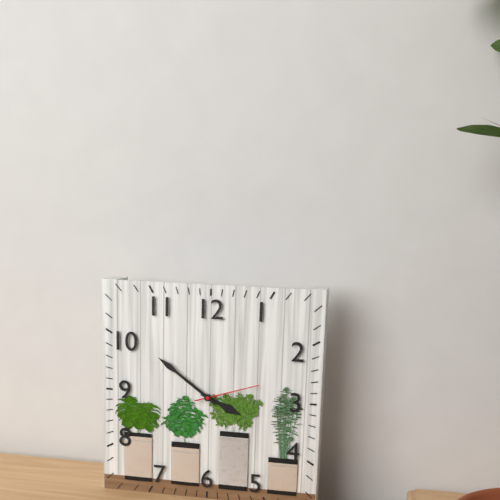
3:51:12
